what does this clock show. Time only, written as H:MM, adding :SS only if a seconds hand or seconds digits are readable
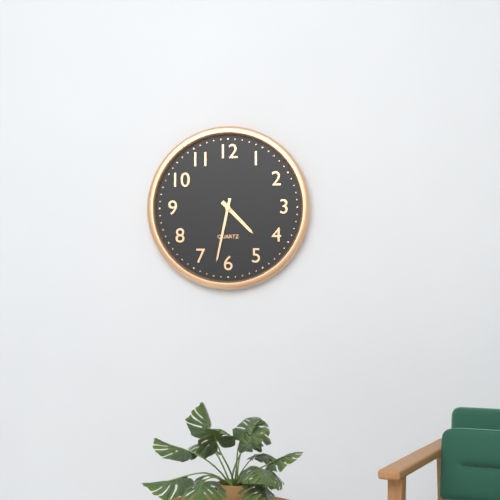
4:32
